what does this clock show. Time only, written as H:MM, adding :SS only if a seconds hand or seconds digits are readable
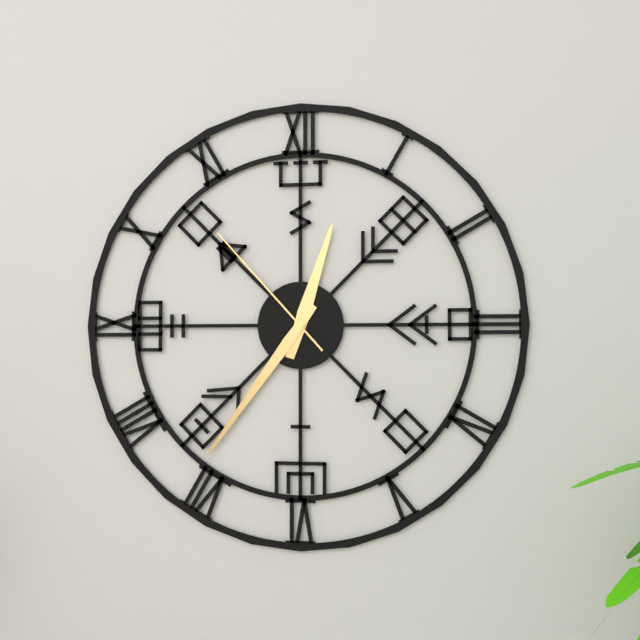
12:36:53
